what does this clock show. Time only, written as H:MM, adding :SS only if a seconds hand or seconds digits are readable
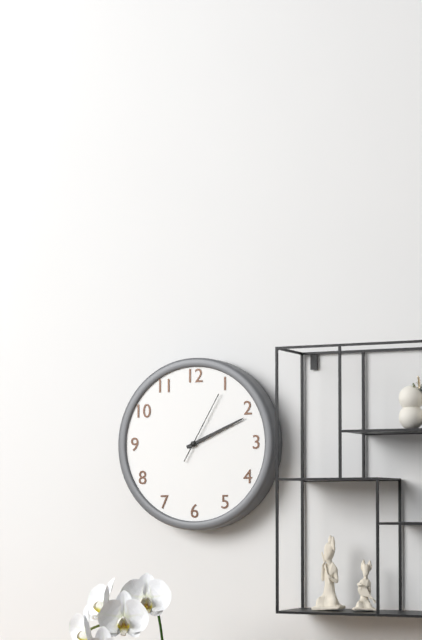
2:11:05
